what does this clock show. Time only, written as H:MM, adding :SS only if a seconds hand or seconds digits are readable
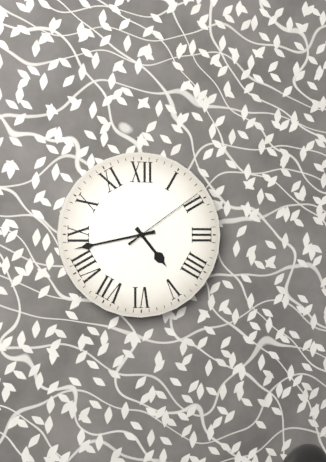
4:43:09
